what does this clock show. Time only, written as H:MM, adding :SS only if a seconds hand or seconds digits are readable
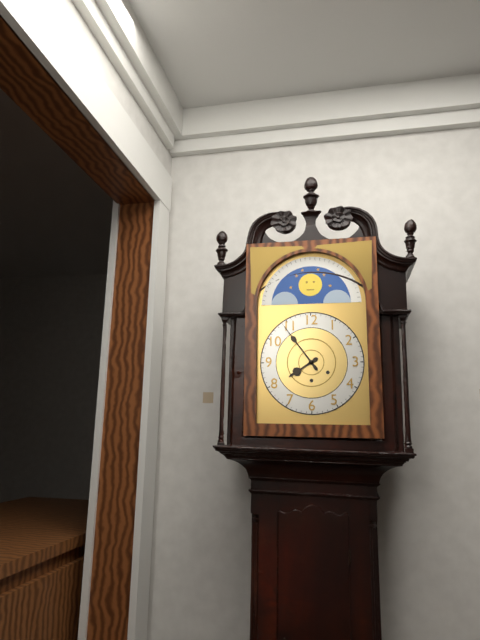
7:54
